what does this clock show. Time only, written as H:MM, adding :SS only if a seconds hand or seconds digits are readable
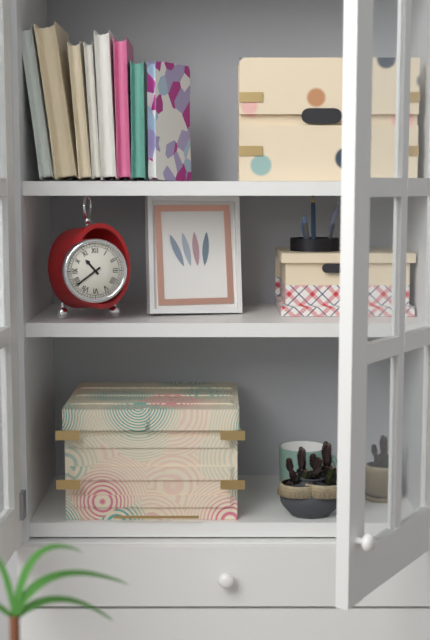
10:39
